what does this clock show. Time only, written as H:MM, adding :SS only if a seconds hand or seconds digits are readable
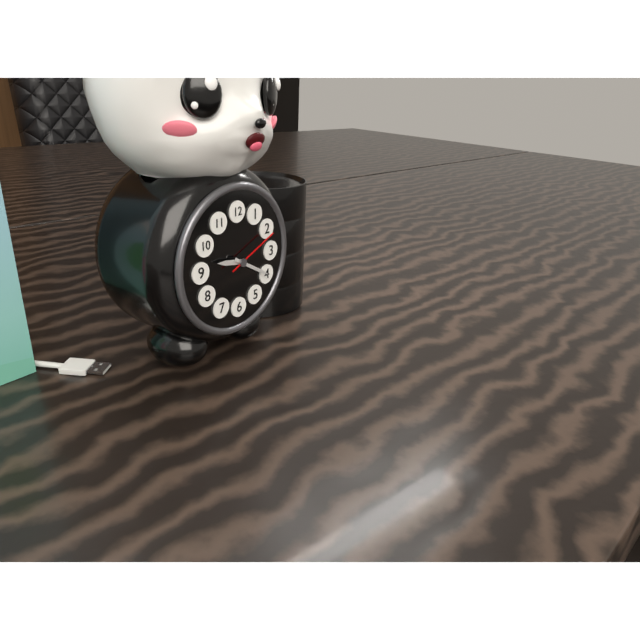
9:20:11
